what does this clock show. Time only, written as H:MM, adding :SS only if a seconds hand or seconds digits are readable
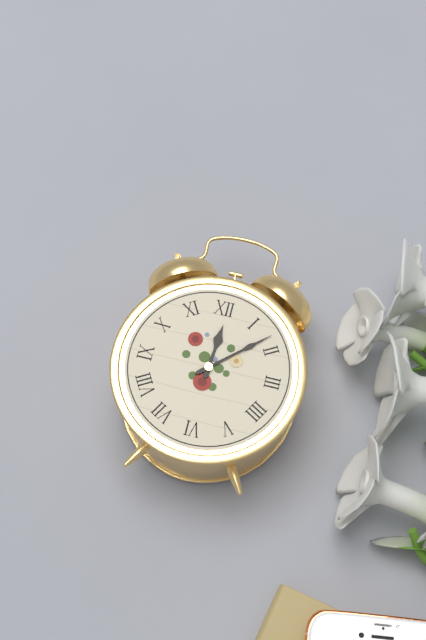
12:08
